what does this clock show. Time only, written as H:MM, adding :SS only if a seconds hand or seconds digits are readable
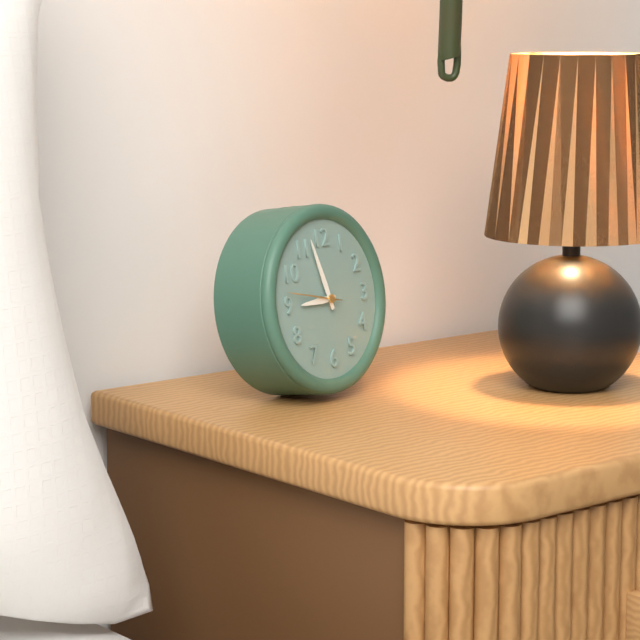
8:57:47
